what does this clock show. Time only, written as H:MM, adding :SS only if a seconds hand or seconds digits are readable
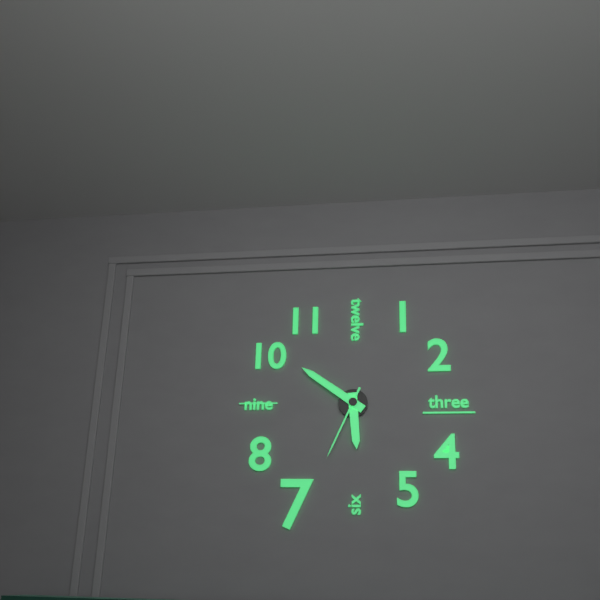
5:51:34
